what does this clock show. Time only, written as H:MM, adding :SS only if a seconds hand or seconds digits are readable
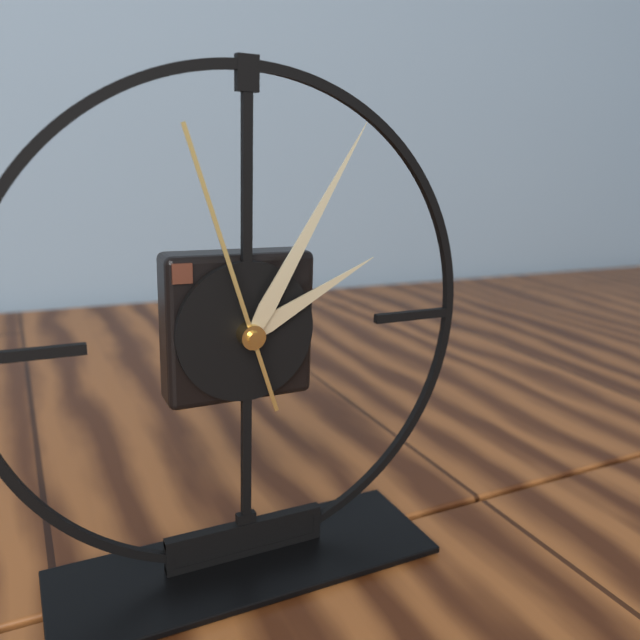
2:05:57
